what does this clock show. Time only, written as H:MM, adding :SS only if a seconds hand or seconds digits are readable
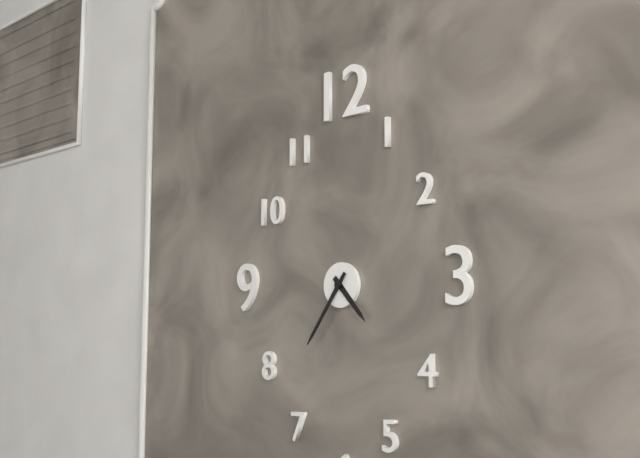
4:36
